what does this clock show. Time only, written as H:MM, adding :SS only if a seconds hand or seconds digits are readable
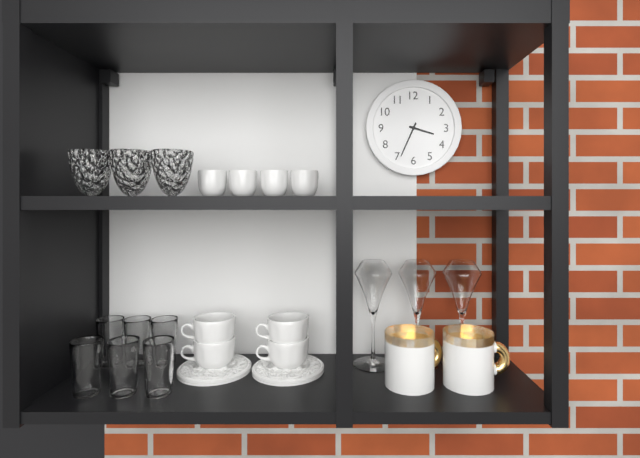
3:34
